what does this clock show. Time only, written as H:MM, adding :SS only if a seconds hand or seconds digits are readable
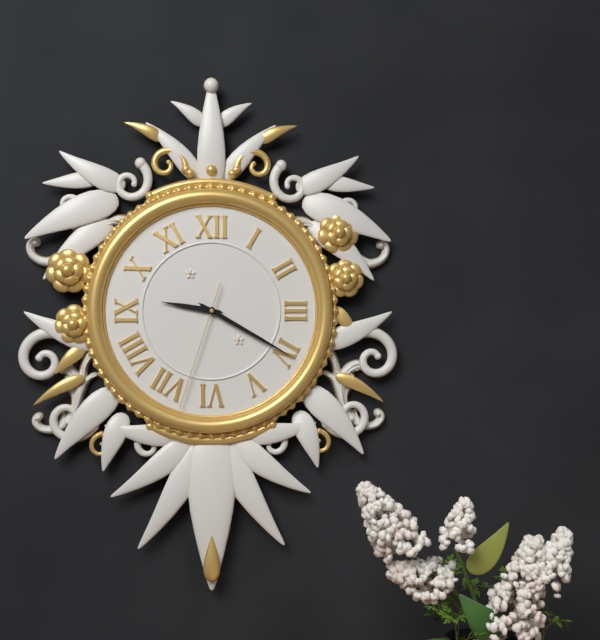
9:20:33
